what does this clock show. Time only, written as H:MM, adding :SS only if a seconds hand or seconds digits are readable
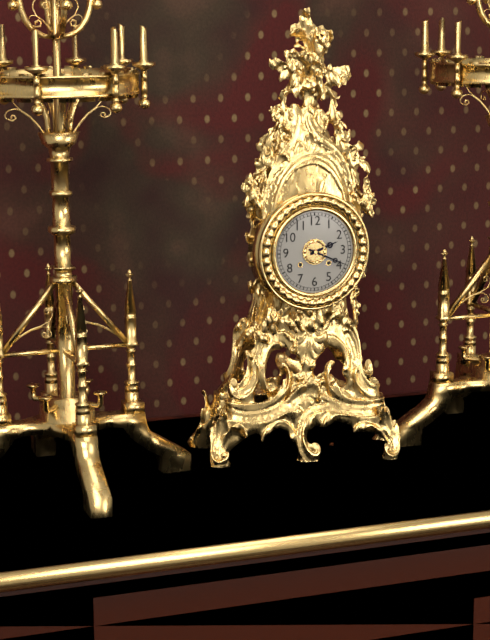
2:19
